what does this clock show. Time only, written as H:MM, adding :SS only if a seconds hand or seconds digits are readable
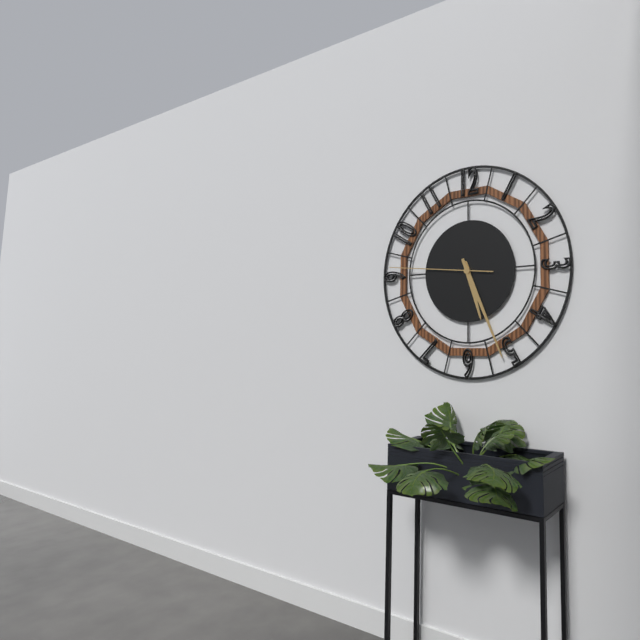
5:26:46
